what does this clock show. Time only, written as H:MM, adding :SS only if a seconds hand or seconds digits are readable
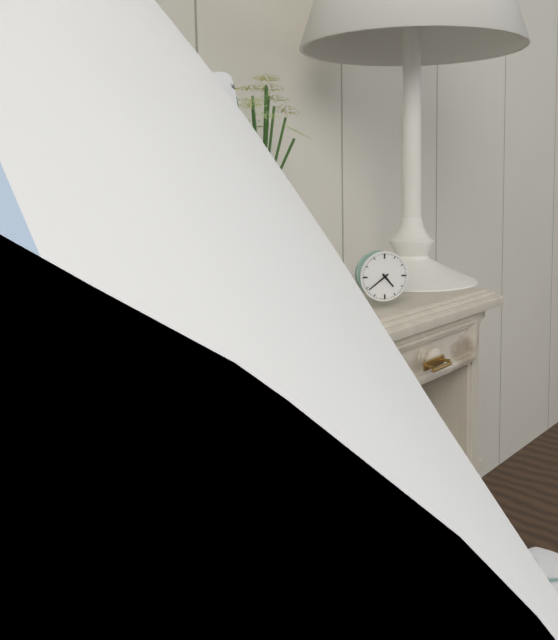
4:39
